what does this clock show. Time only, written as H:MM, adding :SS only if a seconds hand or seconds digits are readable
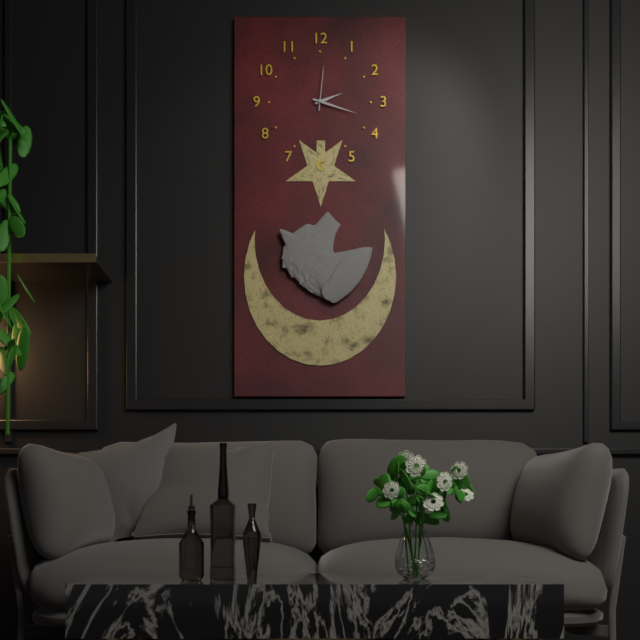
2:18
